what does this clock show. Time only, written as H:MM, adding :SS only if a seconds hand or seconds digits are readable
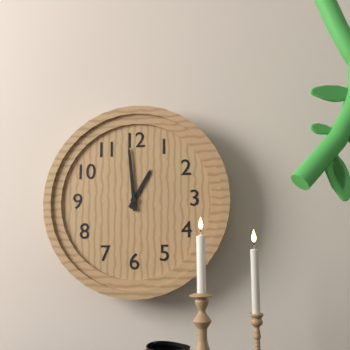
12:59
